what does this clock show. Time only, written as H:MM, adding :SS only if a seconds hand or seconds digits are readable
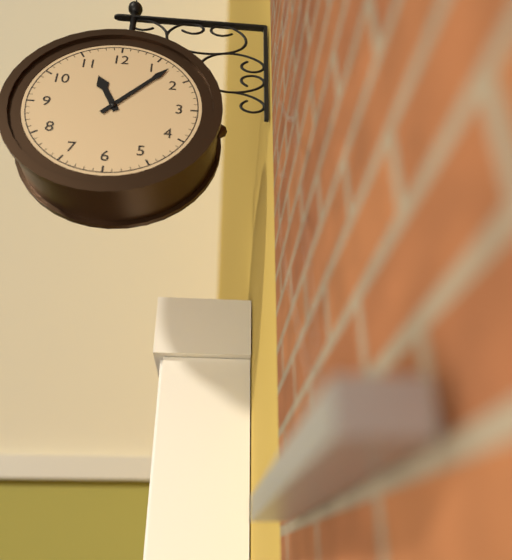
11:07
